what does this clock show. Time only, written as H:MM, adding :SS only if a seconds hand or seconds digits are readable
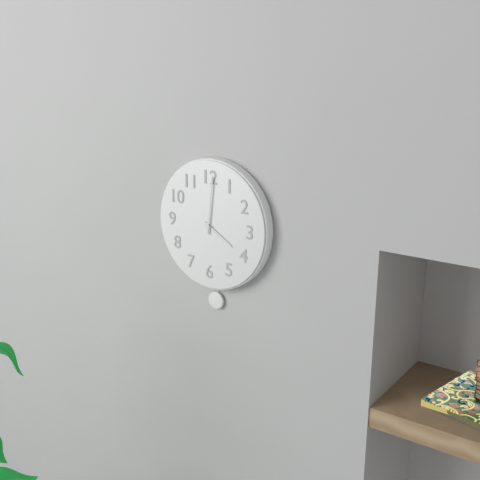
4:01
